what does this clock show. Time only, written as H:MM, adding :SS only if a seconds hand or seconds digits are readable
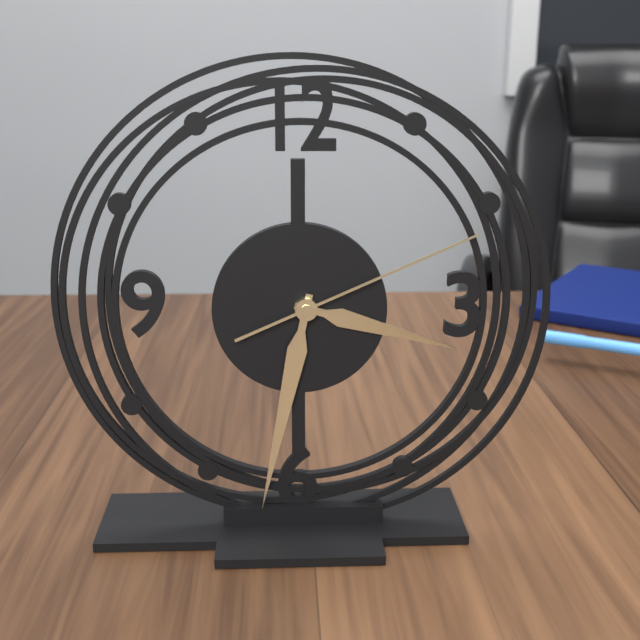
3:32:11
